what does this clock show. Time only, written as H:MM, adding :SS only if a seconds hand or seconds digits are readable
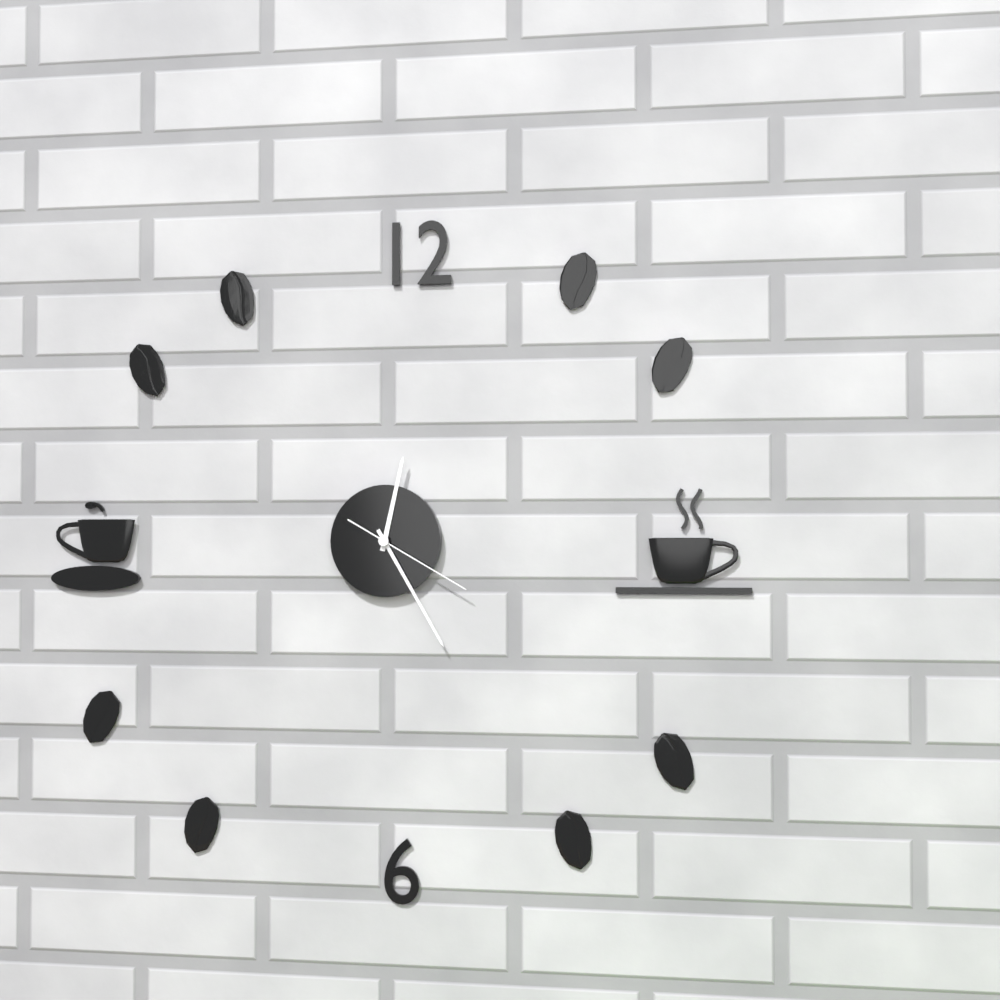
12:25:20
